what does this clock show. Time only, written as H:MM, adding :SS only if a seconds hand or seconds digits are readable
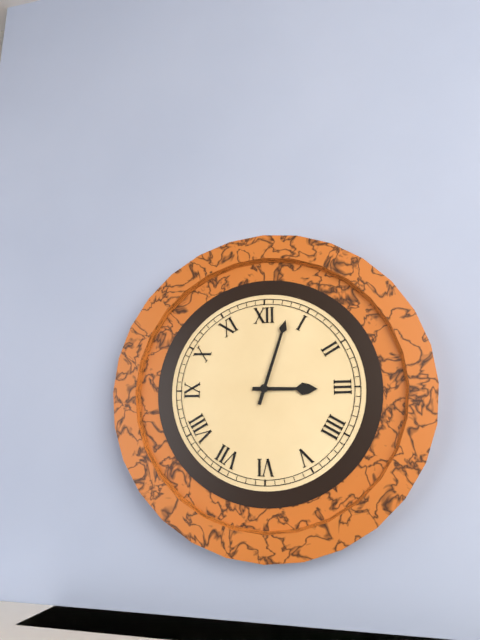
3:03
